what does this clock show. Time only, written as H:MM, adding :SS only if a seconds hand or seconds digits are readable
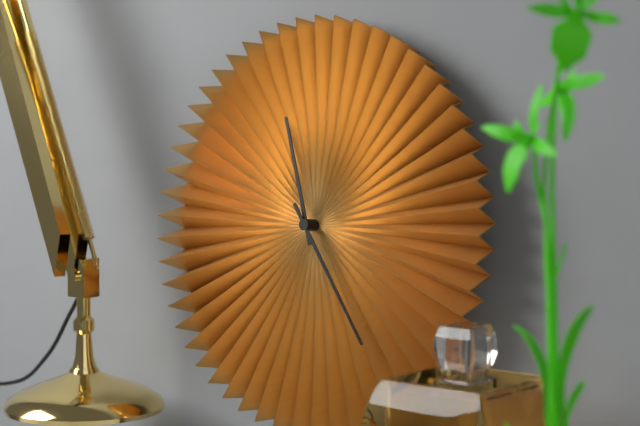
11:24
